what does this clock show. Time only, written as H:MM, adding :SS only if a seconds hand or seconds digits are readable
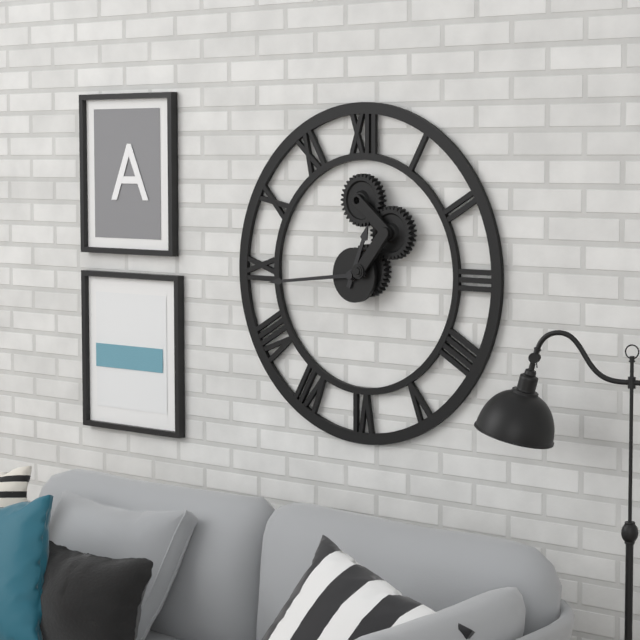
12:44
